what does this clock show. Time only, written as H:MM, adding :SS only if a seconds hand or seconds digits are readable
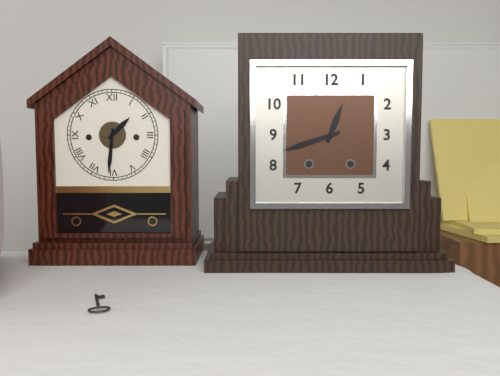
12:42
